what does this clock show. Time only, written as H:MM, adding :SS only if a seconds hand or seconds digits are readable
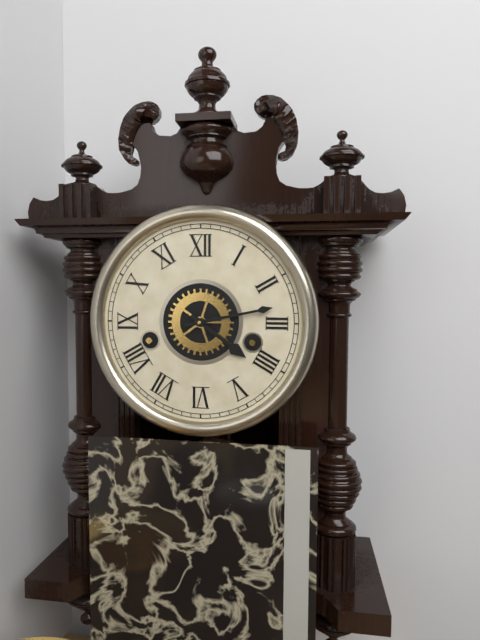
4:13
